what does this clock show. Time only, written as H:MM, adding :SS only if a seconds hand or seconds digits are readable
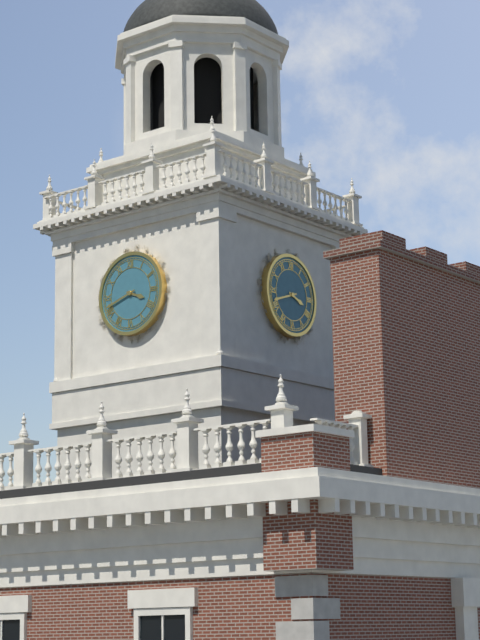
3:42
